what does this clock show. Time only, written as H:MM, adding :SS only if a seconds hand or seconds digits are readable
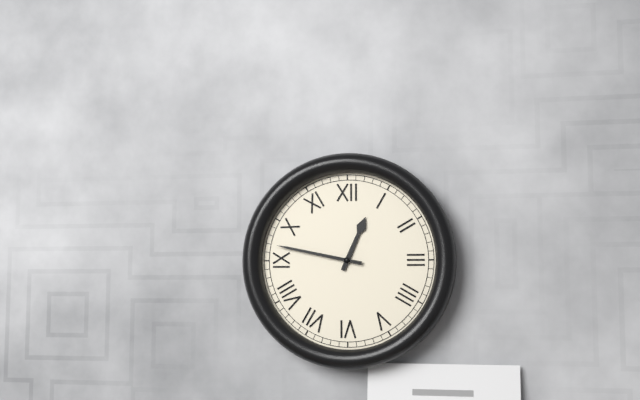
12:47
